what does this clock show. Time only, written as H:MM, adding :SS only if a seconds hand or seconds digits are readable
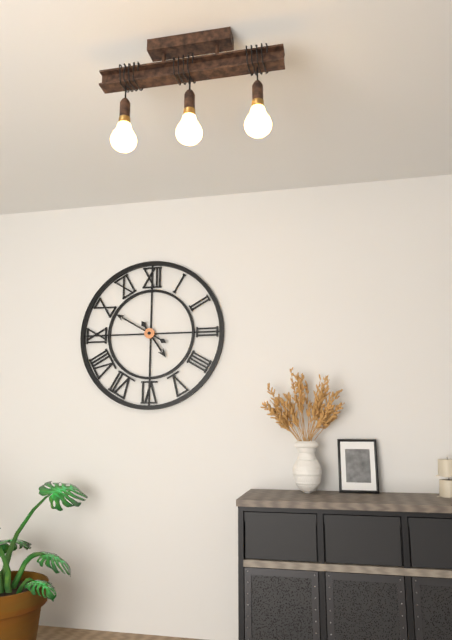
4:50
